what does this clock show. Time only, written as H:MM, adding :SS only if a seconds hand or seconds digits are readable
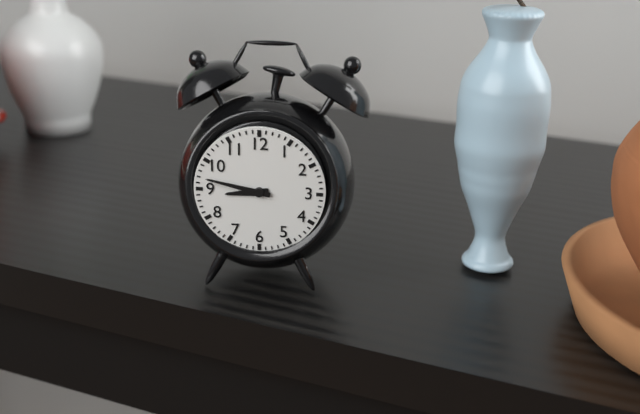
8:47
